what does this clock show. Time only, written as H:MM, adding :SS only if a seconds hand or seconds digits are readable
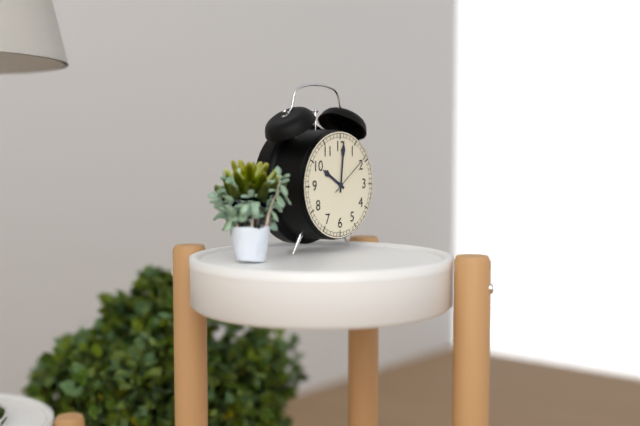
10:01
